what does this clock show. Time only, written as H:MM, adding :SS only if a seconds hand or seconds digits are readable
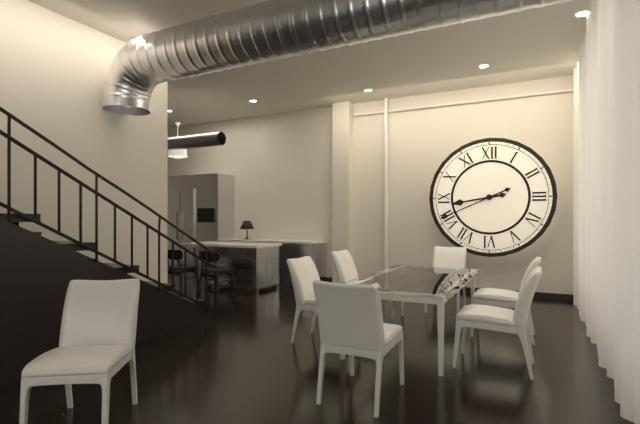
8:41
